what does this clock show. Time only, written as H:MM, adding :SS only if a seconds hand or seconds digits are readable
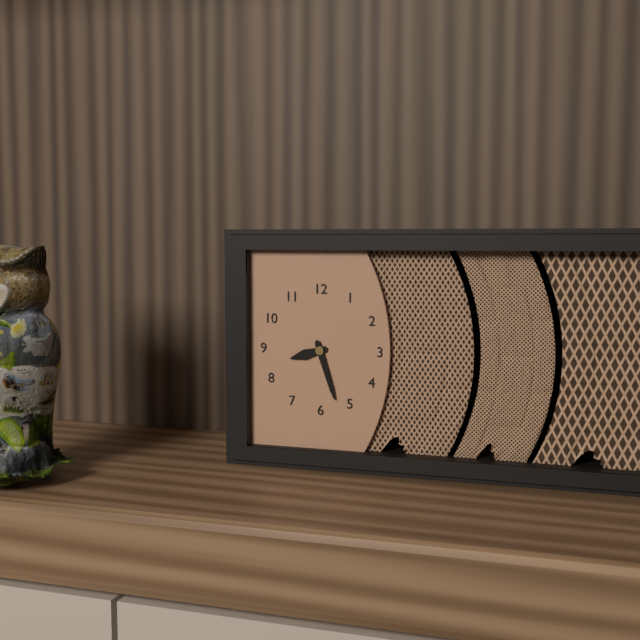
8:27
